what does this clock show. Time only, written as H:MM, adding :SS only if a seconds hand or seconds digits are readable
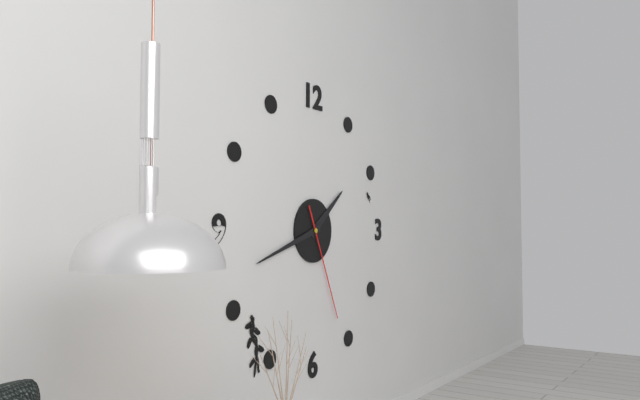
1:42:26
